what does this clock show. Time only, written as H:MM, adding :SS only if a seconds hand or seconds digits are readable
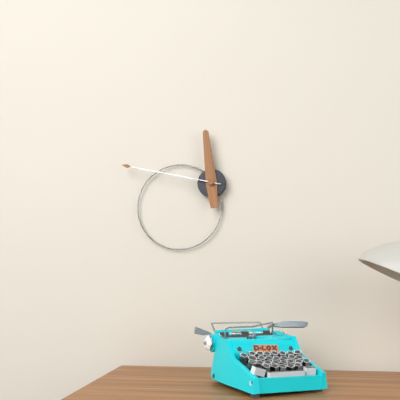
11:47
